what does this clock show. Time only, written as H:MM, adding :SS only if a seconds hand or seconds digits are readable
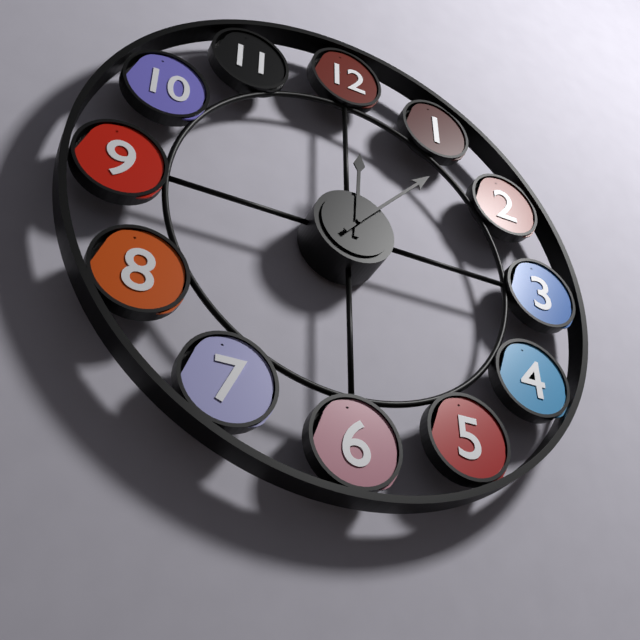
12:07
